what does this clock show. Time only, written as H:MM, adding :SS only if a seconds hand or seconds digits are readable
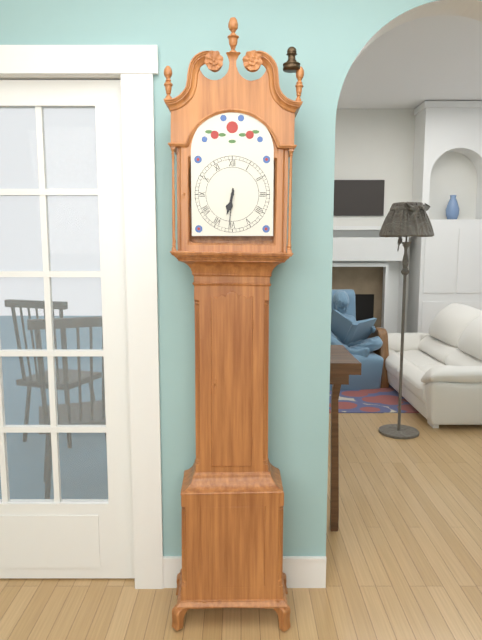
6:31
